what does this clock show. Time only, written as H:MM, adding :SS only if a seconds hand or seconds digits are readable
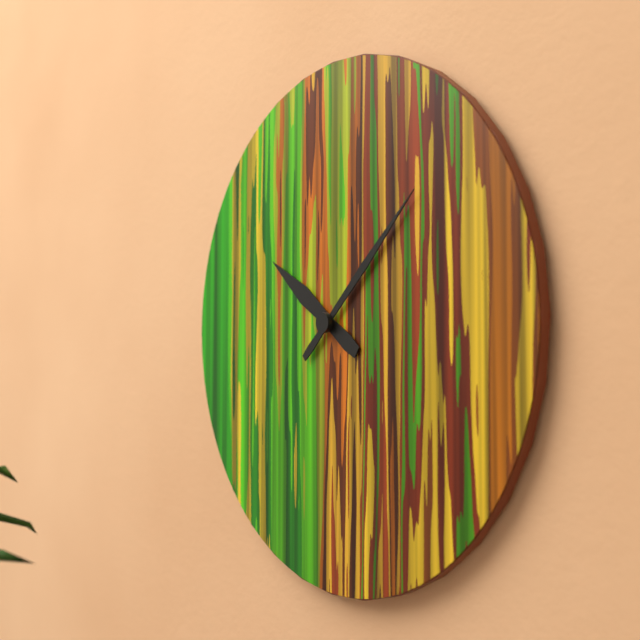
10:08
